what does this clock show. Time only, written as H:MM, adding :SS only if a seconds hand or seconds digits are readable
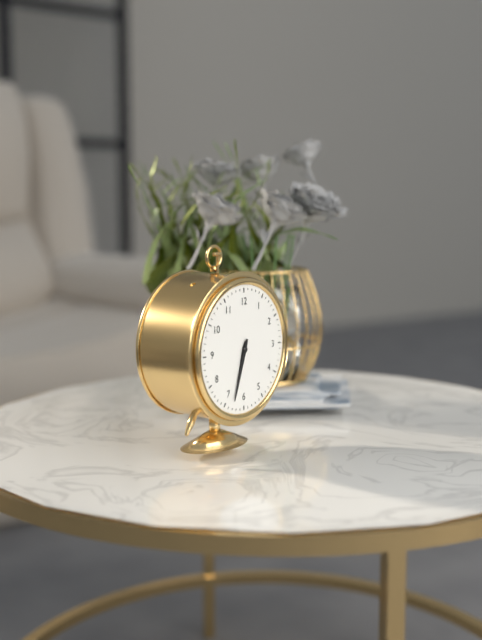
6:33
